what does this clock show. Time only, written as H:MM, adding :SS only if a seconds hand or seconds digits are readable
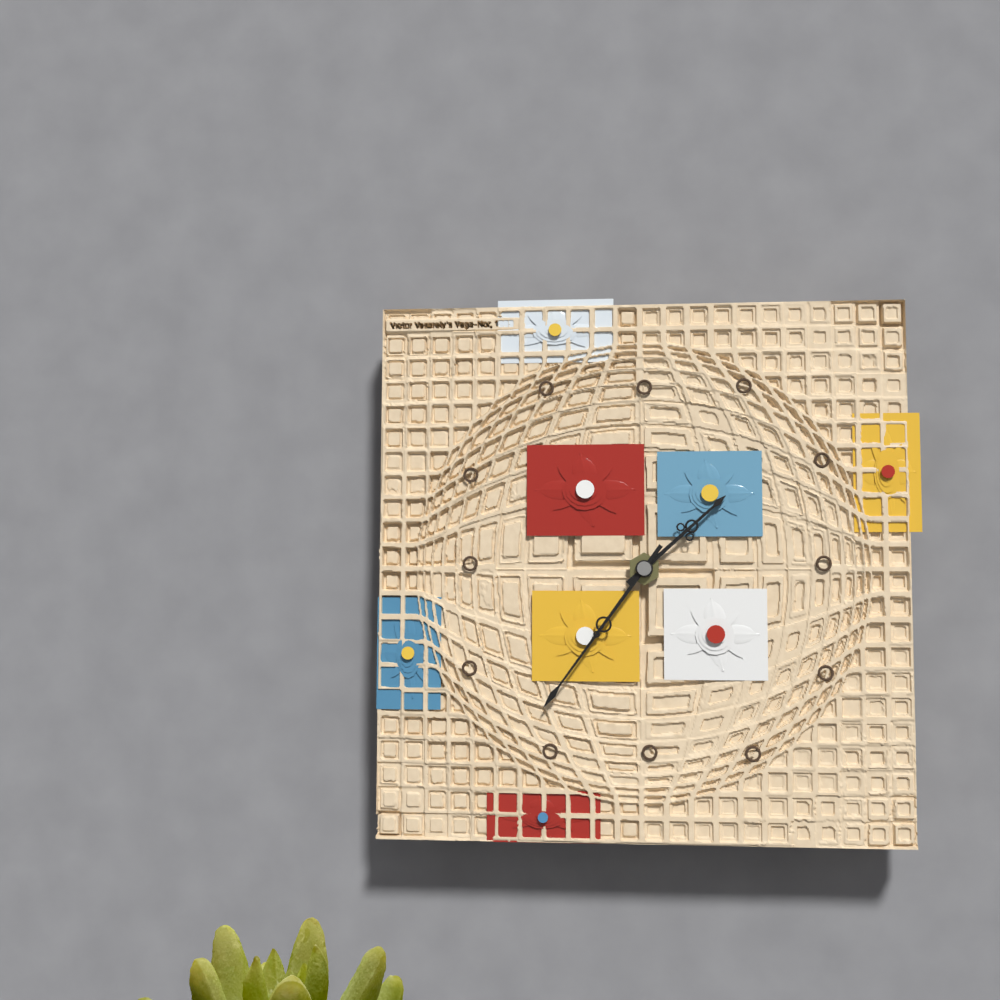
1:36
